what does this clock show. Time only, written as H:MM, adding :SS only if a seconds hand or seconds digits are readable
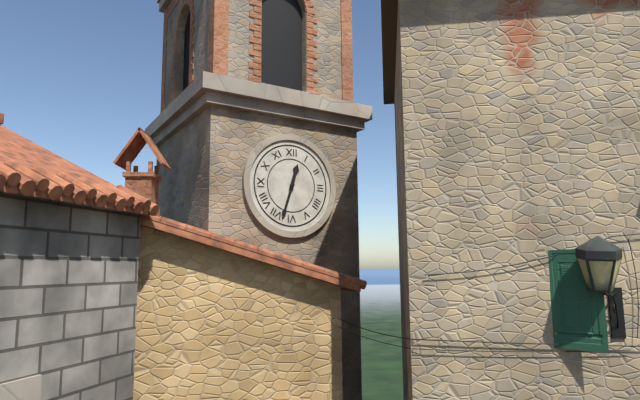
12:33
